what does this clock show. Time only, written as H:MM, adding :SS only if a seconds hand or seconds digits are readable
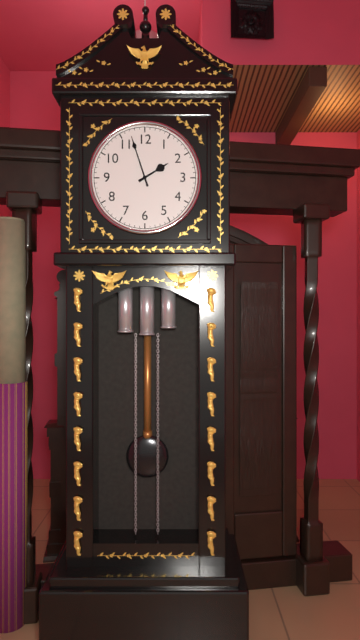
1:57
